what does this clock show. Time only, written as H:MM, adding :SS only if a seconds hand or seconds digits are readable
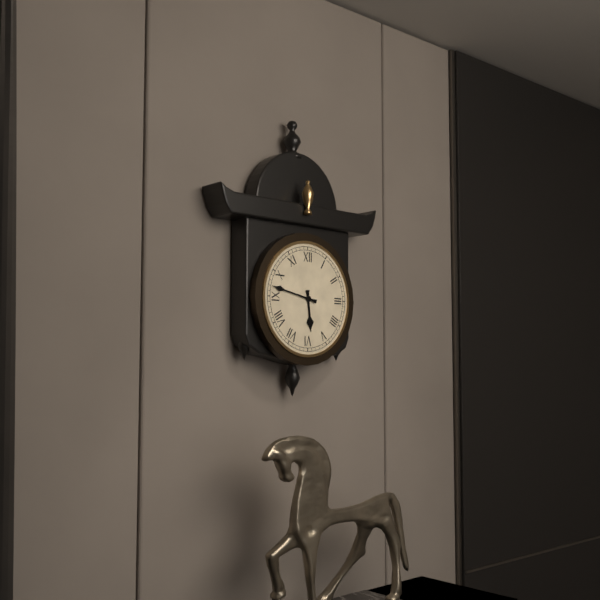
5:47
